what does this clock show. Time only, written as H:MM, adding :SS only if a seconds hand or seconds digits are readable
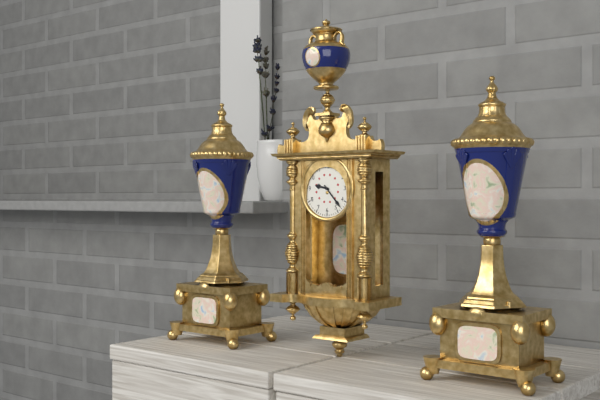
9:23
